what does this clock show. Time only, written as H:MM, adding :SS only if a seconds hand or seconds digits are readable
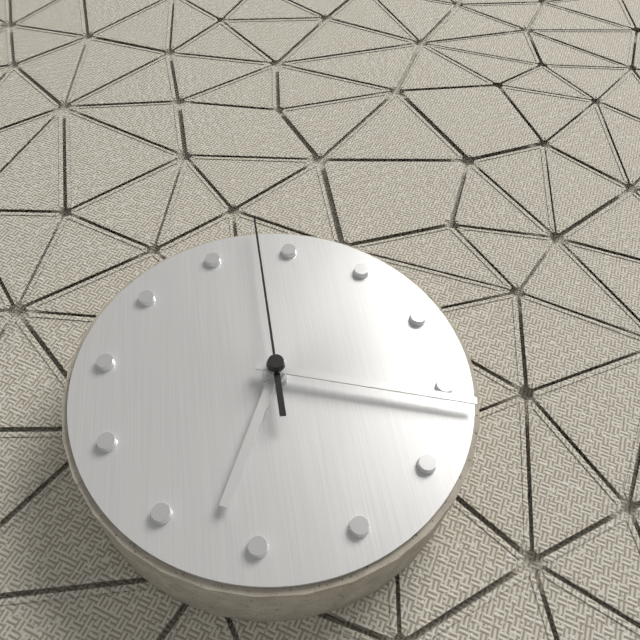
8:26:08
